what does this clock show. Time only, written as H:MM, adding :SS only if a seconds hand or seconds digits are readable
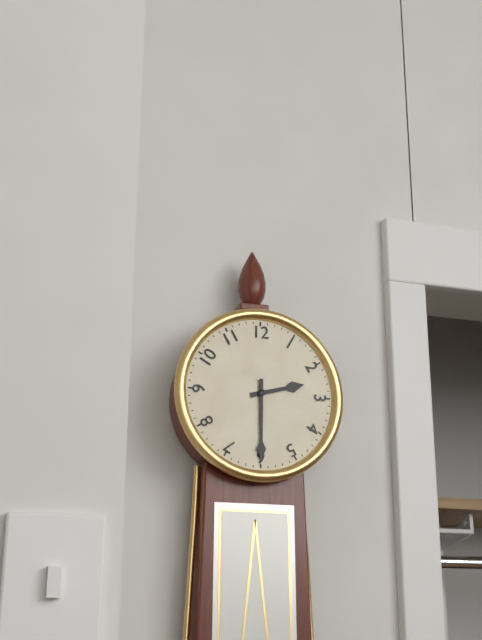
2:30
